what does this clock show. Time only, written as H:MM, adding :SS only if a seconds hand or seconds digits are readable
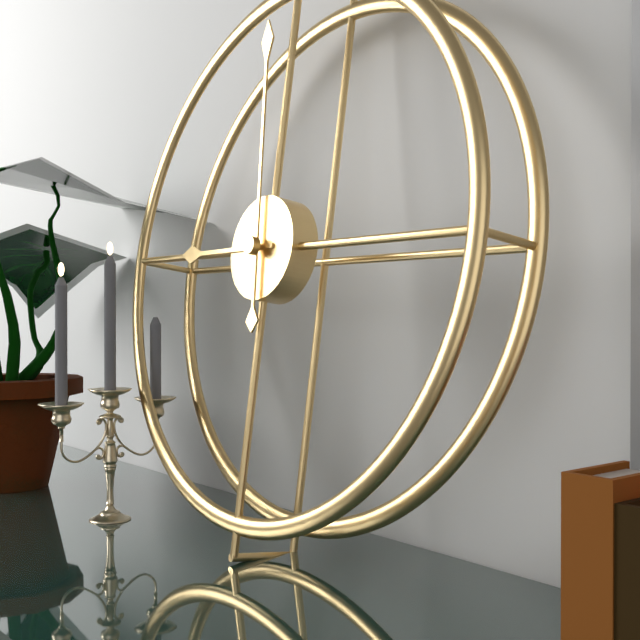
8:59
